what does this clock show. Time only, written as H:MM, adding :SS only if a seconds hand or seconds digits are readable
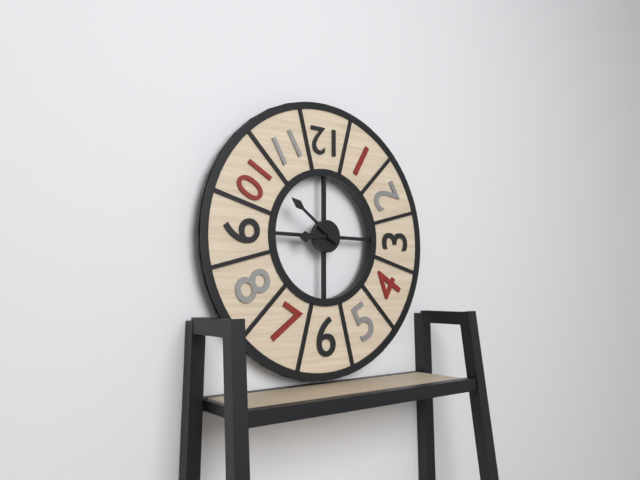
8:51
